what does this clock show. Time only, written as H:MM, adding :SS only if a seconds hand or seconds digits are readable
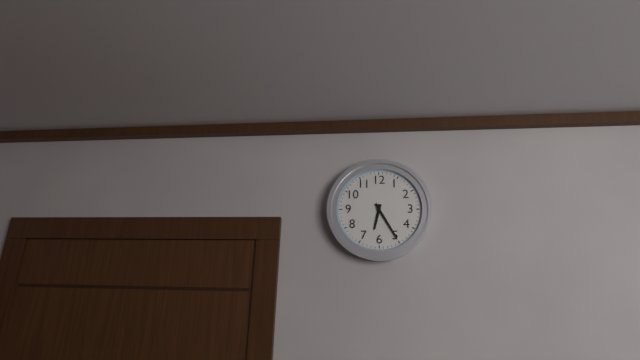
6:25
